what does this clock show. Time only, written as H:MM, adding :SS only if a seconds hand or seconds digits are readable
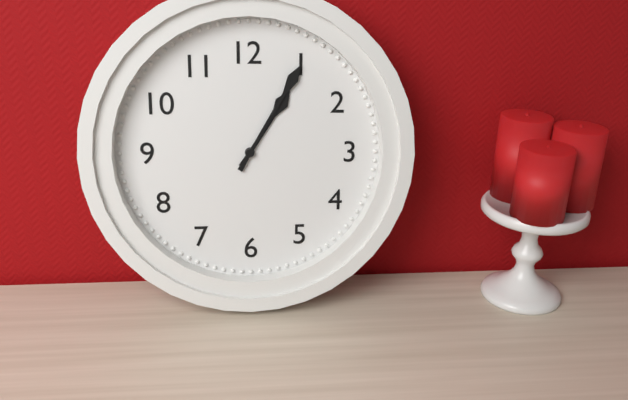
1:05
